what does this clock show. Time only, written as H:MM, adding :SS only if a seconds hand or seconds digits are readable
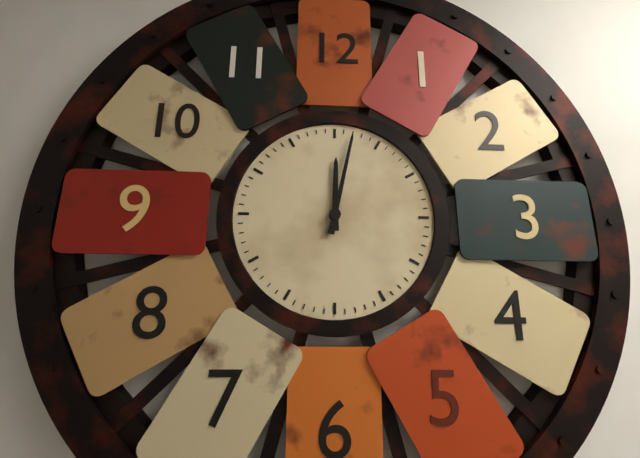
12:02
